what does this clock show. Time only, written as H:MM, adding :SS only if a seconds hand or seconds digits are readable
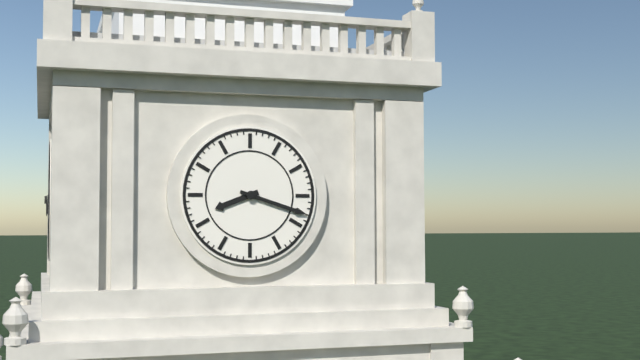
8:18
